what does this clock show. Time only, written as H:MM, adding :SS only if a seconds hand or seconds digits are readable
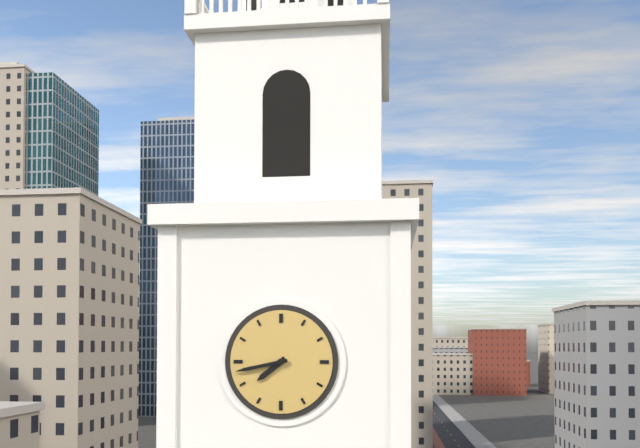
7:43
